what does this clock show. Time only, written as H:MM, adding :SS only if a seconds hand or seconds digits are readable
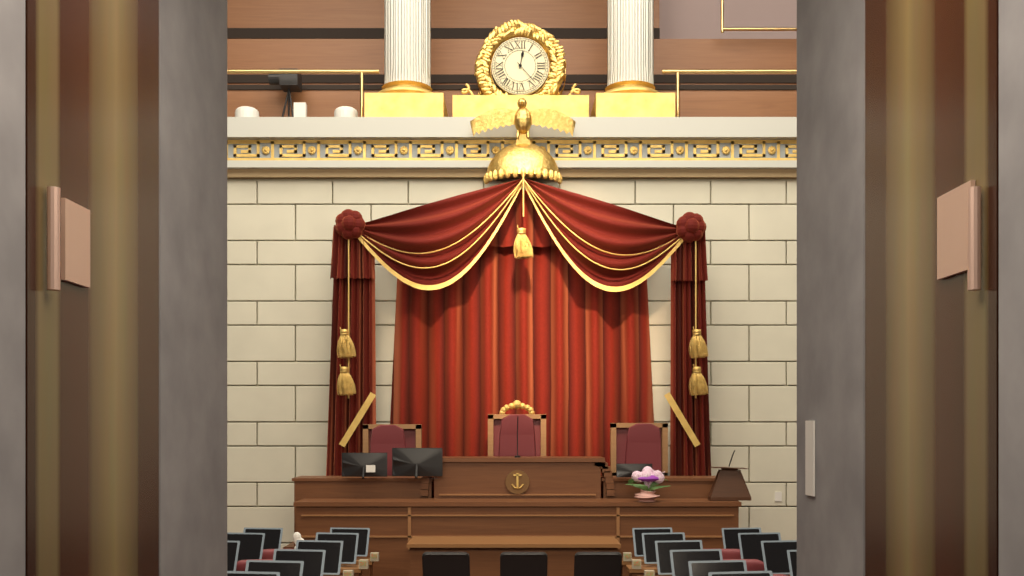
12:23
